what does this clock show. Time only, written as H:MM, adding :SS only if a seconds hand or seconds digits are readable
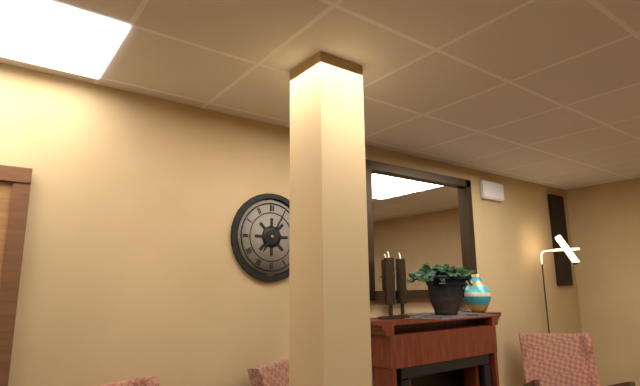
7:05
